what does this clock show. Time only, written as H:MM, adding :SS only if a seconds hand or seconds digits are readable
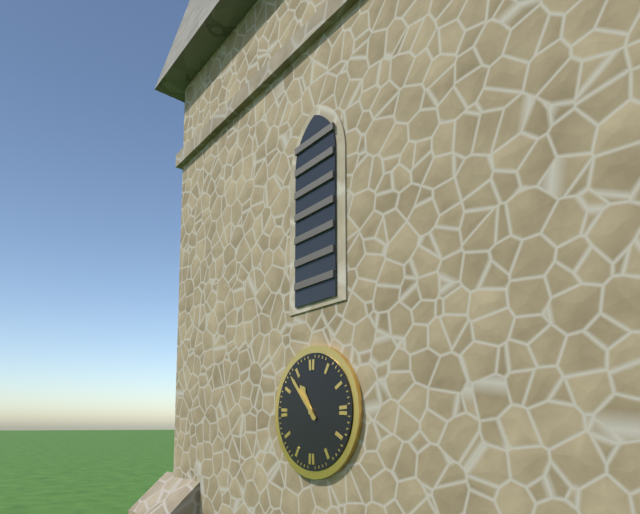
10:53
